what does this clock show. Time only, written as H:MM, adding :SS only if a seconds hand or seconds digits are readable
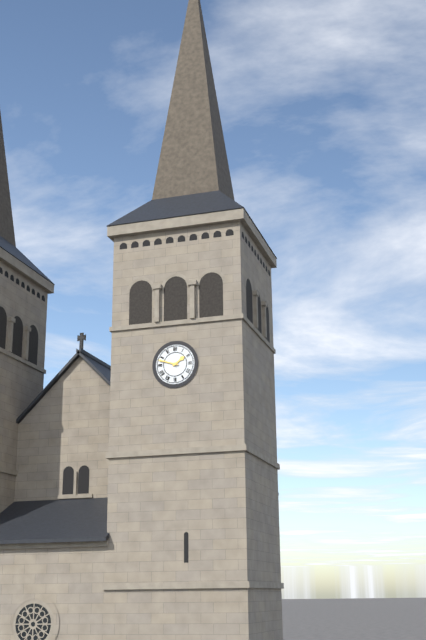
1:48
